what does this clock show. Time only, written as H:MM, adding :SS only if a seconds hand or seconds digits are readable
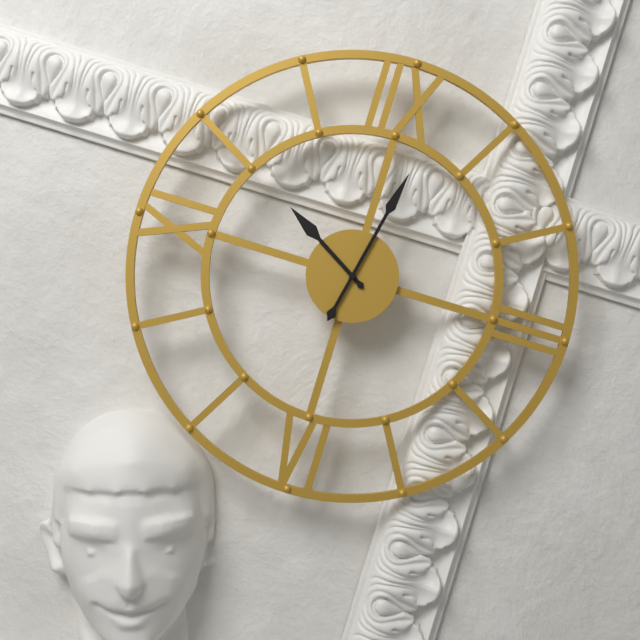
10:02
